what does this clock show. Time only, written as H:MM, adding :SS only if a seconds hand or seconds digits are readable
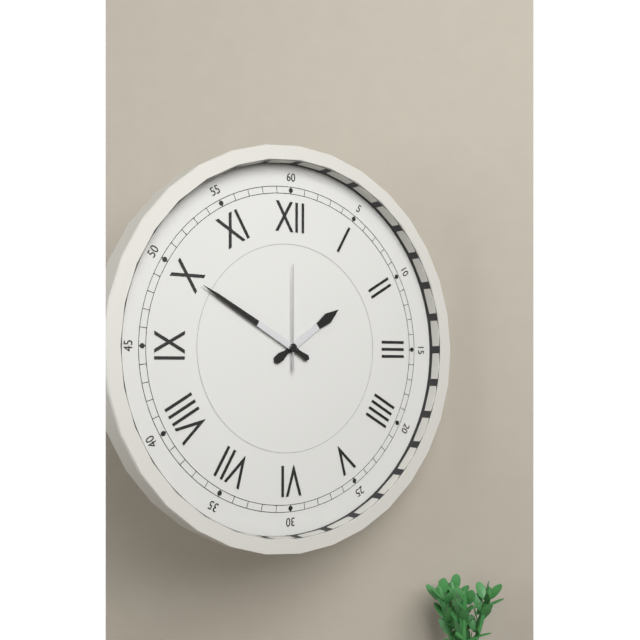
1:50:00
